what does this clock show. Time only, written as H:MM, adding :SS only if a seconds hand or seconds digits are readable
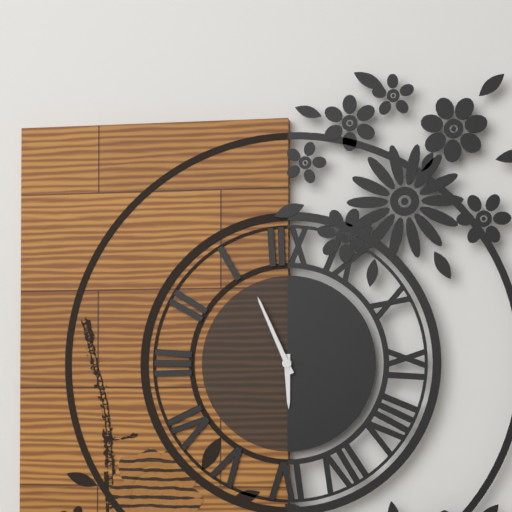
5:56
